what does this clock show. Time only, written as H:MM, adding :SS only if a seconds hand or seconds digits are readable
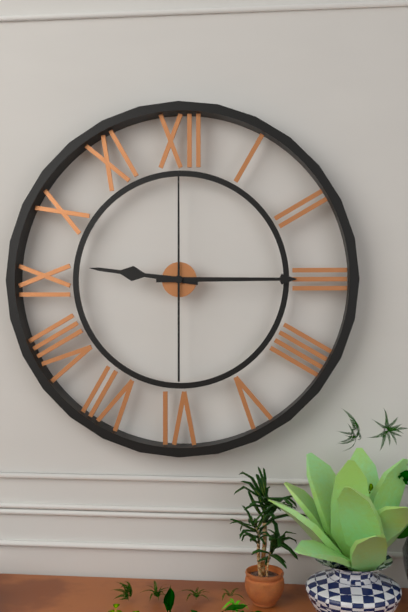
9:15:00
